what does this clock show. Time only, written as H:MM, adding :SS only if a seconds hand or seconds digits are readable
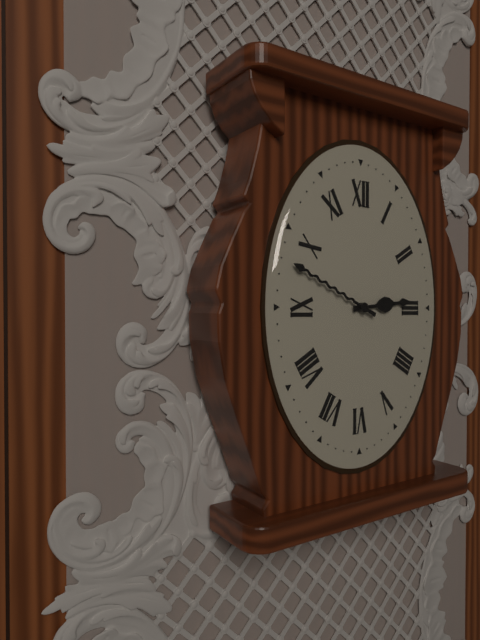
2:49
